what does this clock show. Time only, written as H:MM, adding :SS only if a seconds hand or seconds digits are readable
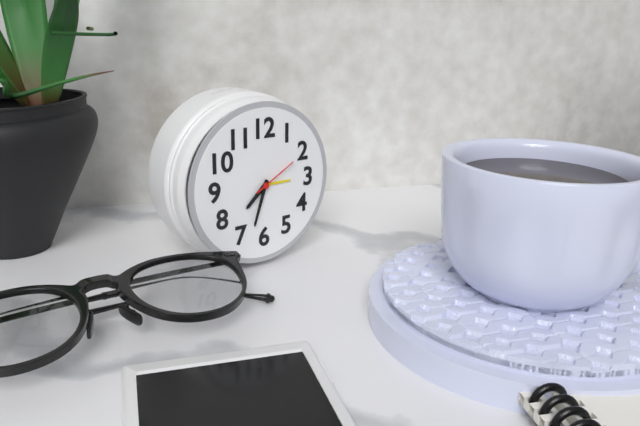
7:33
